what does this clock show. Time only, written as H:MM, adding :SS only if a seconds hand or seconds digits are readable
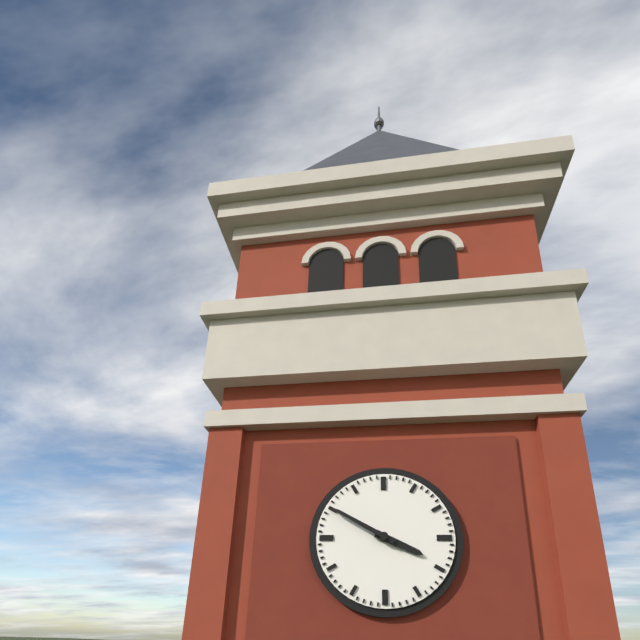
3:50
